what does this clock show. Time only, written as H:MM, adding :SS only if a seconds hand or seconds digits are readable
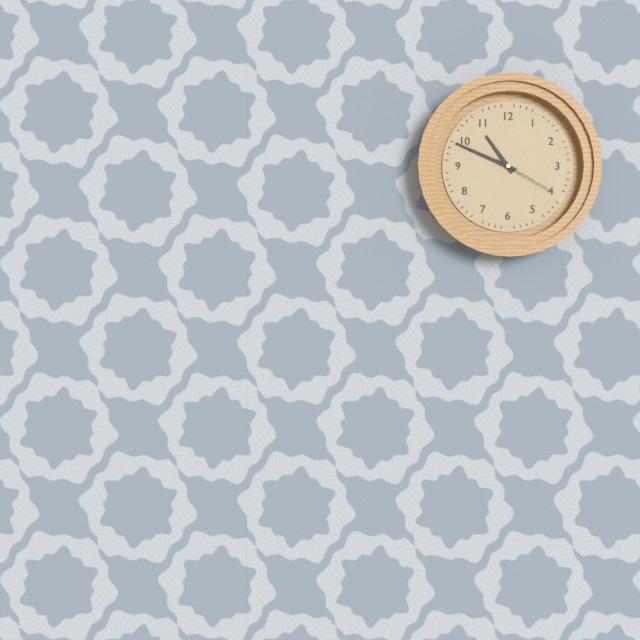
10:49:20
